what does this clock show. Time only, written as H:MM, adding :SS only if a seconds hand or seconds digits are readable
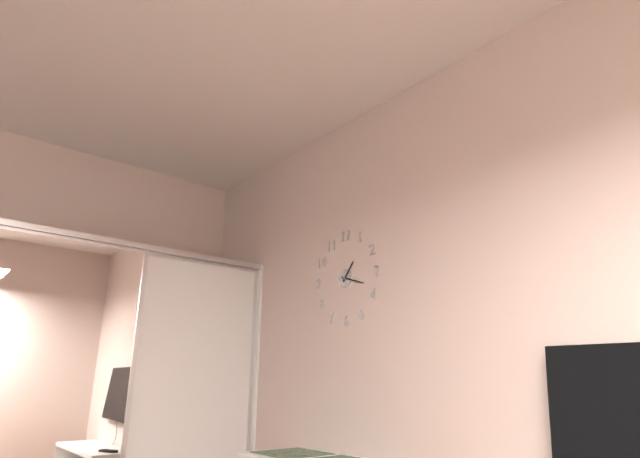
1:18
